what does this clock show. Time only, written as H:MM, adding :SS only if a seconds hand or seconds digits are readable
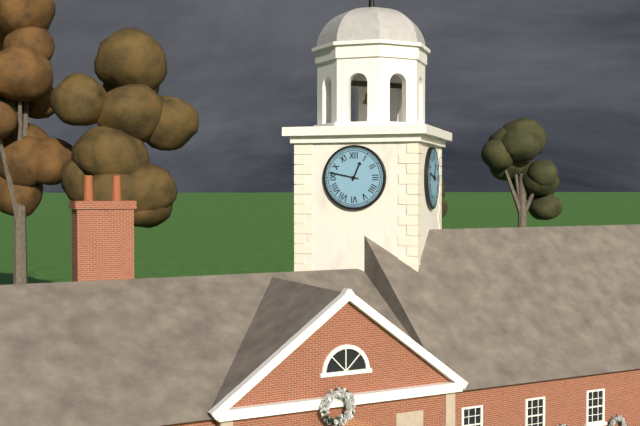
12:47
